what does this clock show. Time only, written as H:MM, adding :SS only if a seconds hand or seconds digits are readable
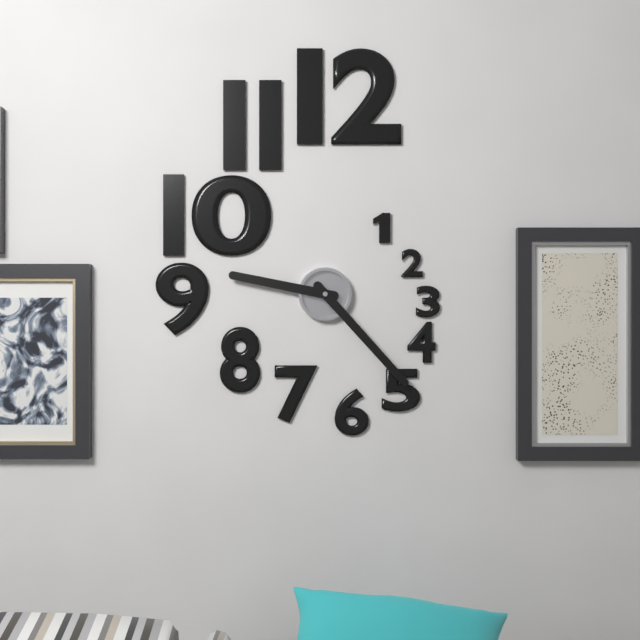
9:23
